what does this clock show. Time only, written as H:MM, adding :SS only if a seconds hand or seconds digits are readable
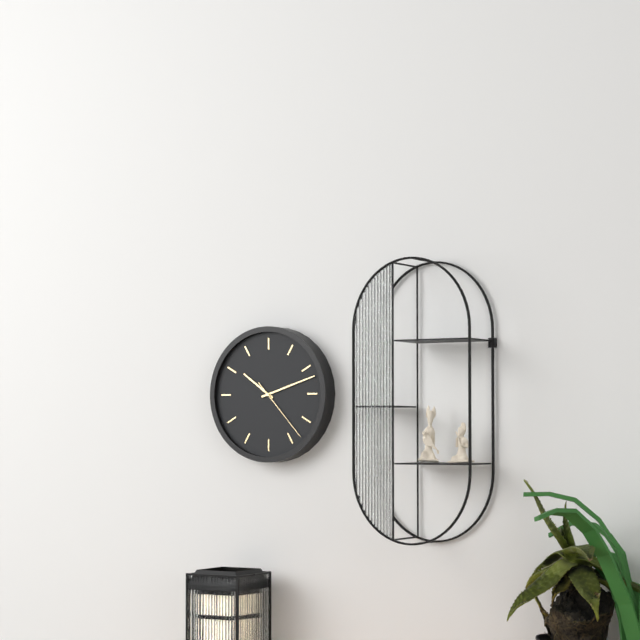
10:12:23
